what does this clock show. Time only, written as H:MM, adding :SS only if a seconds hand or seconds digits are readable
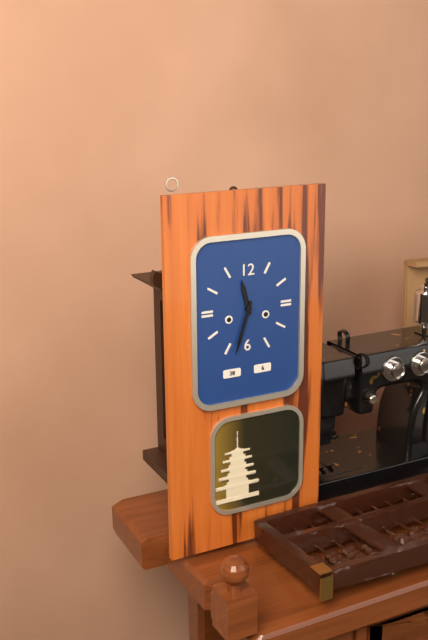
11:33
